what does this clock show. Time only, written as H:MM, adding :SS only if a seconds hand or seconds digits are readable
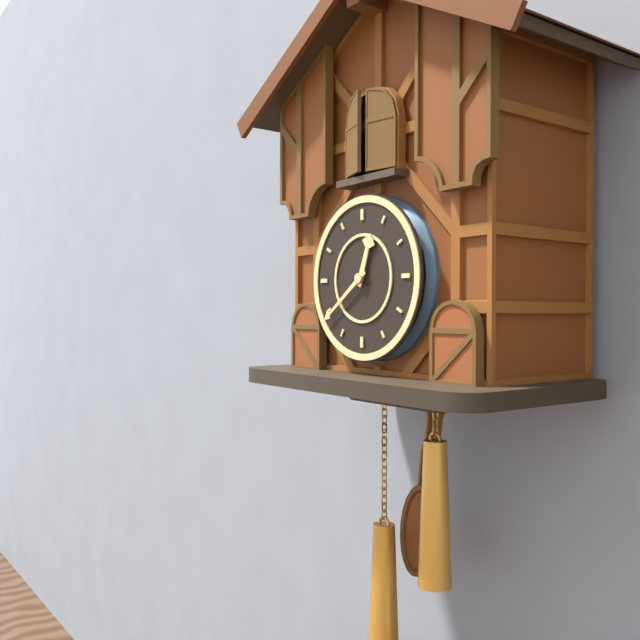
12:39
